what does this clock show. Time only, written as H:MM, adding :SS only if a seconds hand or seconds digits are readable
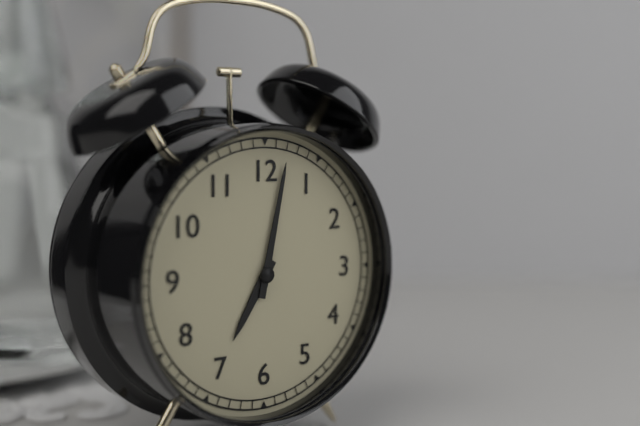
7:02
